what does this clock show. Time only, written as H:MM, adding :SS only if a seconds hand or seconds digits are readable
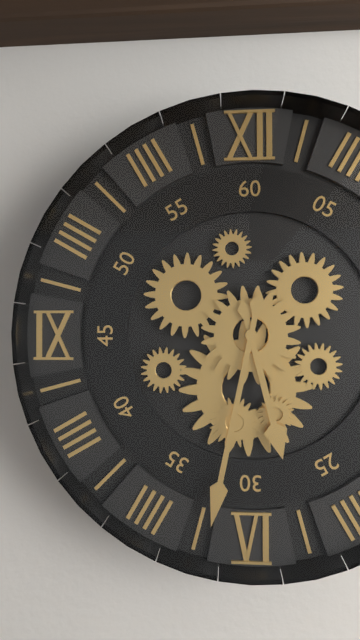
5:32
